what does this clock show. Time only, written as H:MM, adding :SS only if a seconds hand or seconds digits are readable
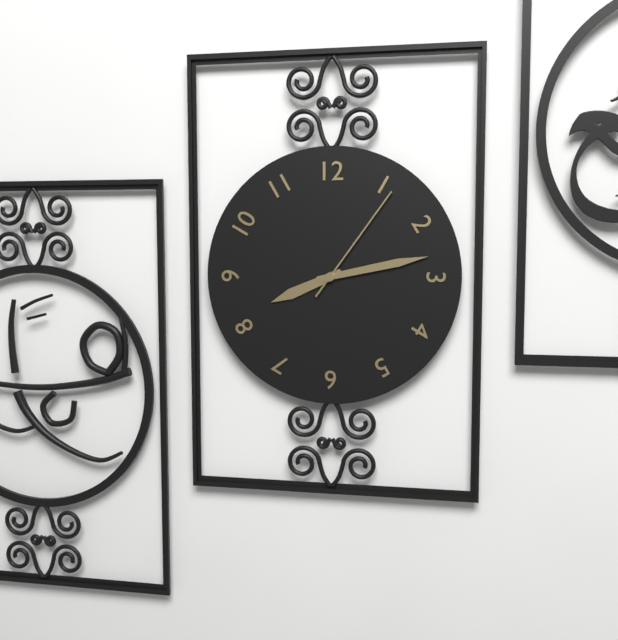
8:13:06
